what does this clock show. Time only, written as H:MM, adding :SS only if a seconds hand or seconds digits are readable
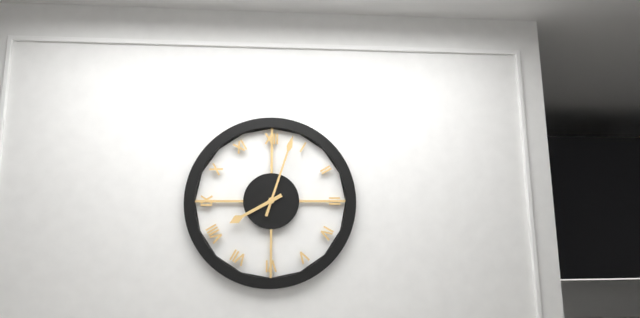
8:03
